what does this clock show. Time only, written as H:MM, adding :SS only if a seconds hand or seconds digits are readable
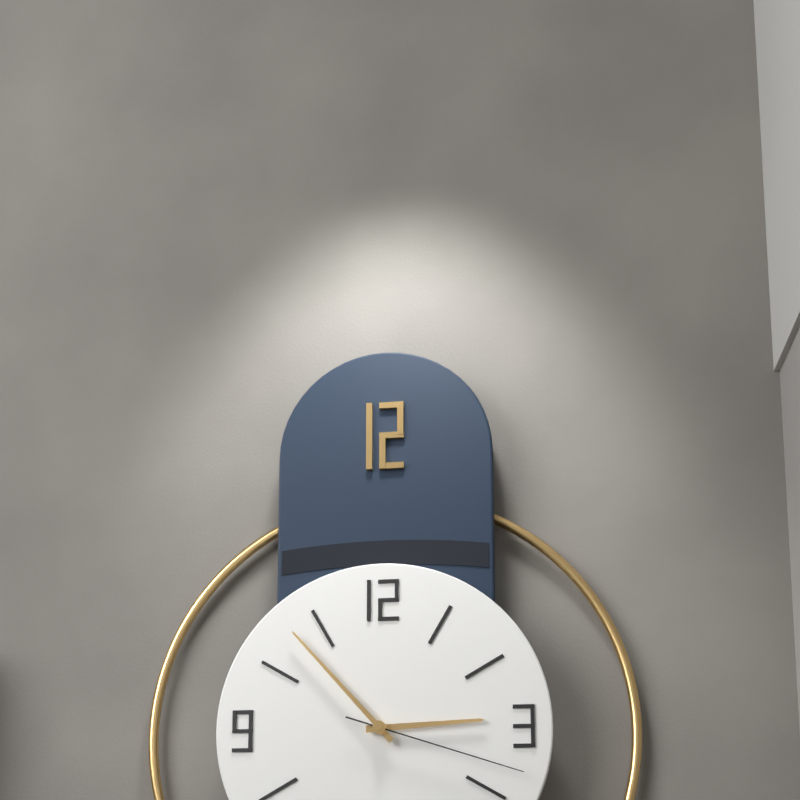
2:53:18
